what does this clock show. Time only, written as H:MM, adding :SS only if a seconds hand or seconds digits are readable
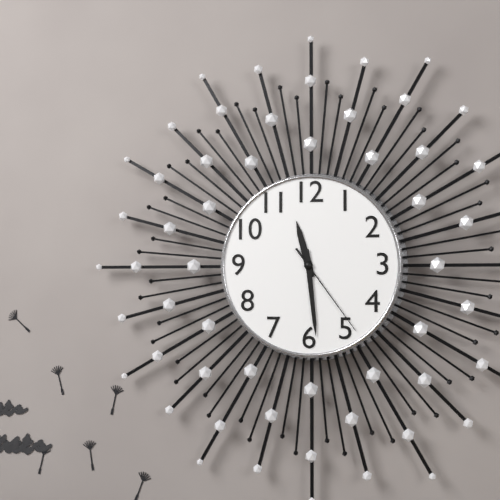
11:29:24
